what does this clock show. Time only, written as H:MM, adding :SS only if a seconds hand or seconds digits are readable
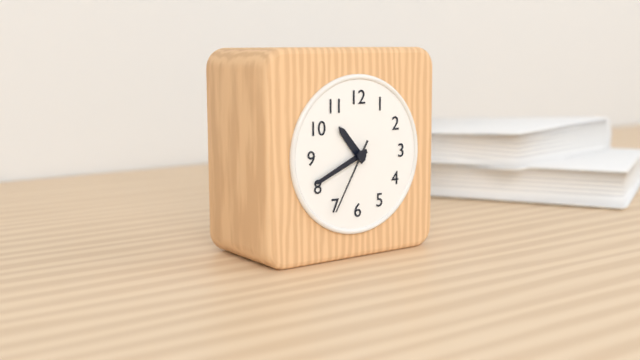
10:41:35
